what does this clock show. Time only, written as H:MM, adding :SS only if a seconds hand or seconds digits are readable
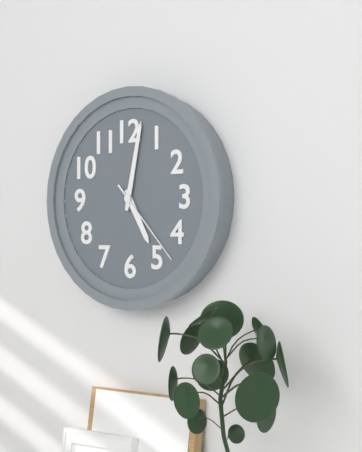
5:02:23
